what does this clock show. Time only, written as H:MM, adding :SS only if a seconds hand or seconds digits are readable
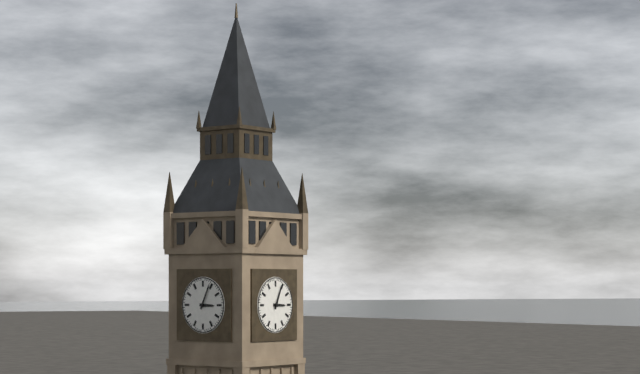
3:04
